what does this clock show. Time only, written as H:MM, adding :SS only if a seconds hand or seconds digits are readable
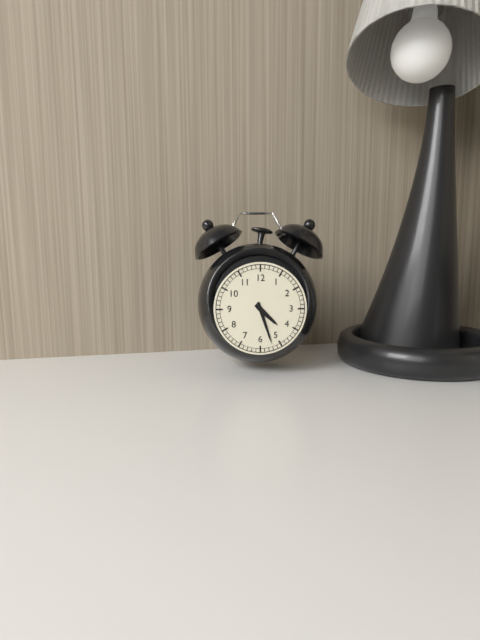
4:27
